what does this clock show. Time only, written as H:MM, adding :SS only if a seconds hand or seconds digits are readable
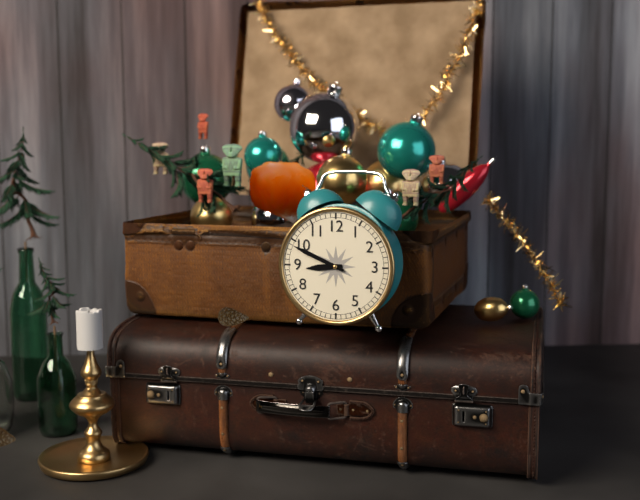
8:49
